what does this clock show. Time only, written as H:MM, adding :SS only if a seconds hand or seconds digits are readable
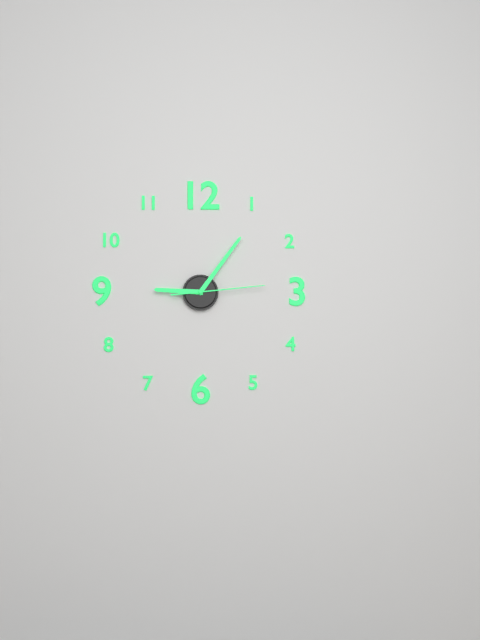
9:06:14
